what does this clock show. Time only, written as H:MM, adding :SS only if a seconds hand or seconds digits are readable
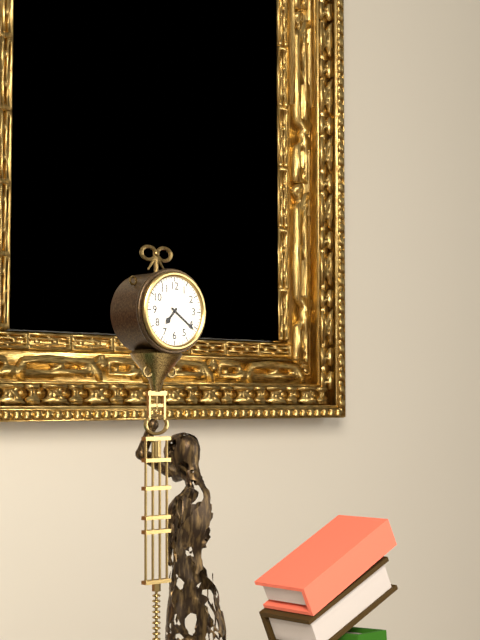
7:21
